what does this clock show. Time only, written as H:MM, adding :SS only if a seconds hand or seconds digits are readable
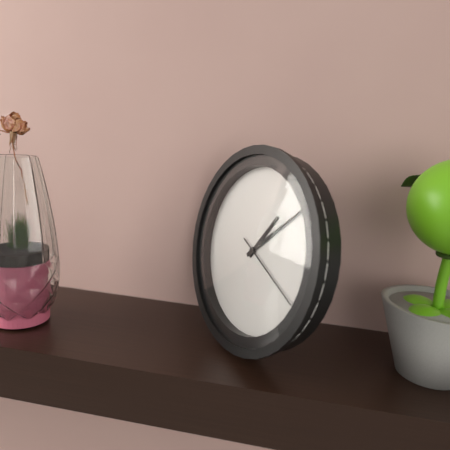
1:08:19
